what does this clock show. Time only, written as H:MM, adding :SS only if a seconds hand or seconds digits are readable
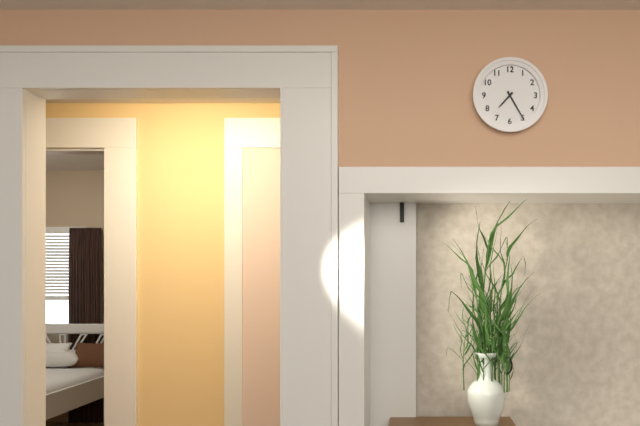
7:25
